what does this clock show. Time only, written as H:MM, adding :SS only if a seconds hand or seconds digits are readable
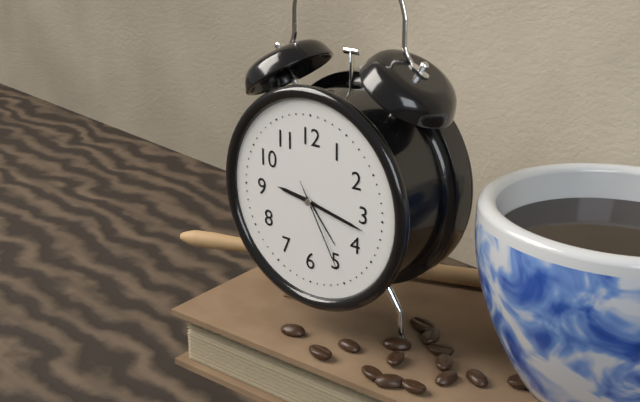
9:17:25
